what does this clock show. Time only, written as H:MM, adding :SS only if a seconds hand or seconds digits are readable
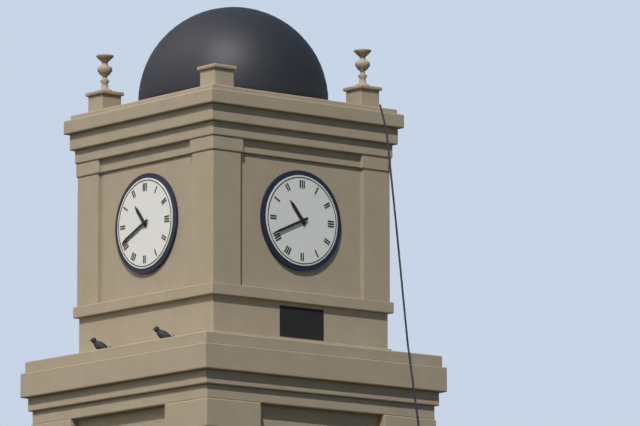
10:41
